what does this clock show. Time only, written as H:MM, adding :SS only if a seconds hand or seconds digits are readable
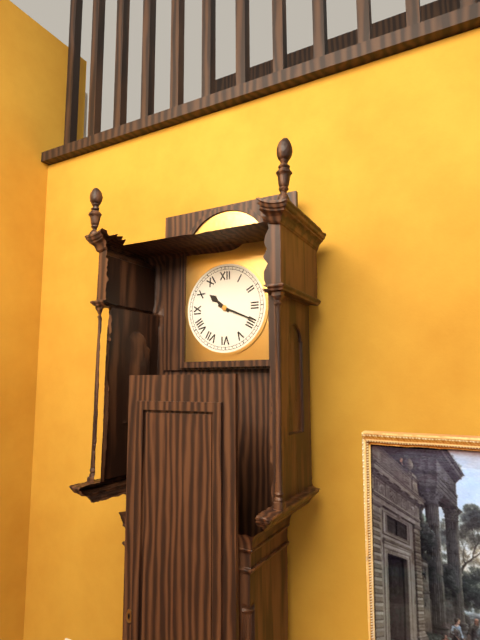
10:19
